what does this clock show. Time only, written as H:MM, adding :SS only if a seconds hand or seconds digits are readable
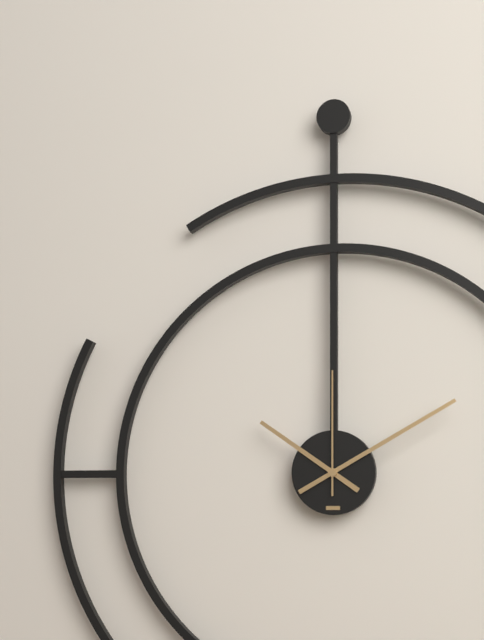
10:10:00
